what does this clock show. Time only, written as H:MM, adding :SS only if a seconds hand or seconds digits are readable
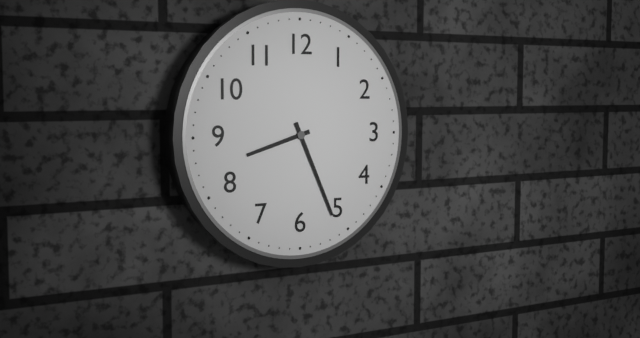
8:26
